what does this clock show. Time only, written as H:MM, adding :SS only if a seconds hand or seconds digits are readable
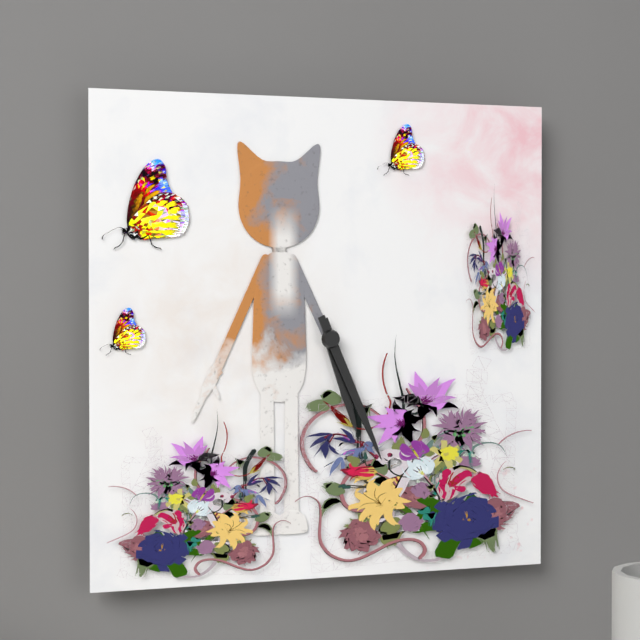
5:26
